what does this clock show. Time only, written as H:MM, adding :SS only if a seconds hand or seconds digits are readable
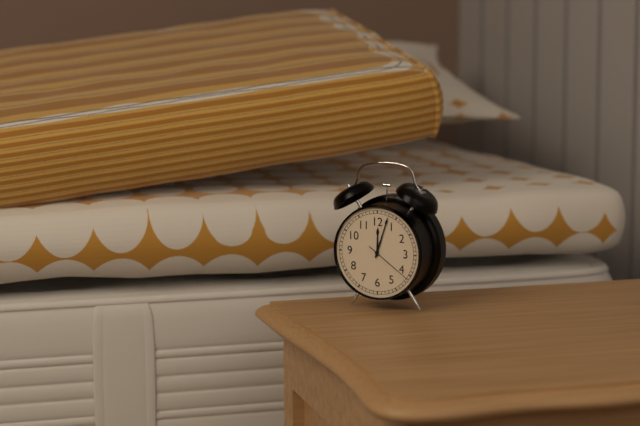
12:03:21
